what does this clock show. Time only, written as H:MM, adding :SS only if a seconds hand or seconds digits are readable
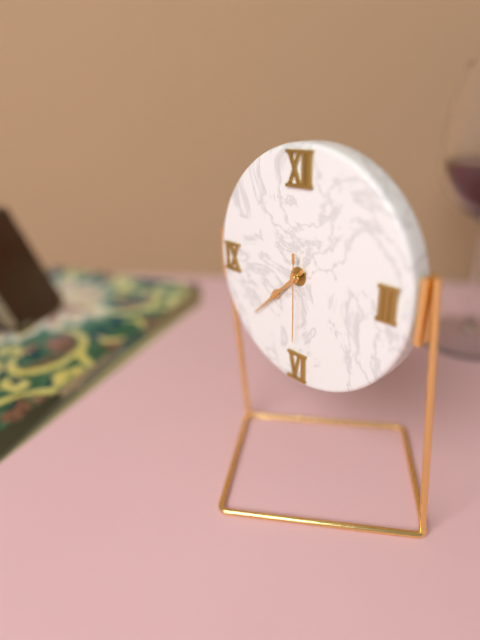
7:38:30
